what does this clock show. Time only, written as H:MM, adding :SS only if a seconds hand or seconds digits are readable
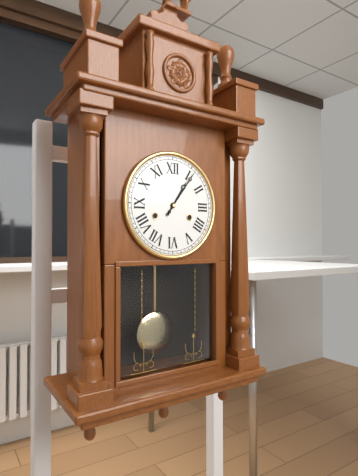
1:06
